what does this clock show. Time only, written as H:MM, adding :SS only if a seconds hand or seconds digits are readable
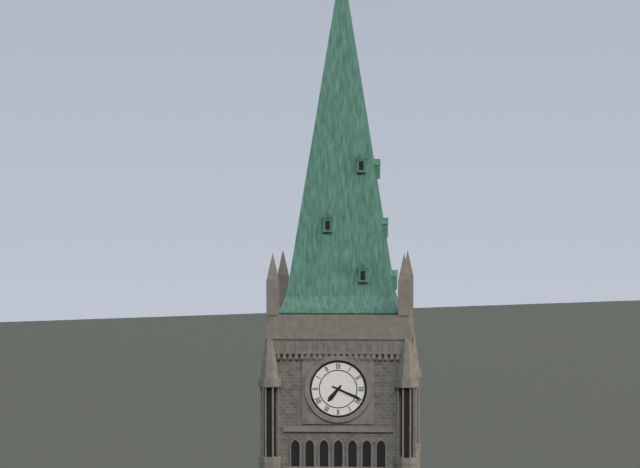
7:19
